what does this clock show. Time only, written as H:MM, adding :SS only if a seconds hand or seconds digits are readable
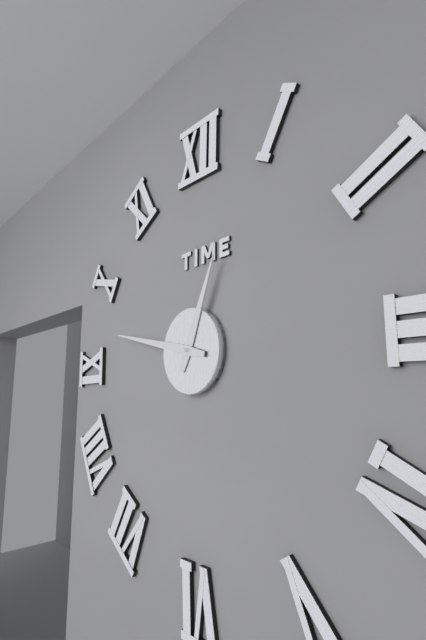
12:47
